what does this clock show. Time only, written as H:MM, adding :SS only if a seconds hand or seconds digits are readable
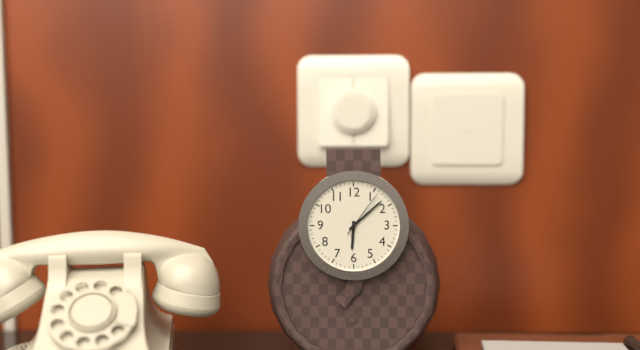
6:08:06
